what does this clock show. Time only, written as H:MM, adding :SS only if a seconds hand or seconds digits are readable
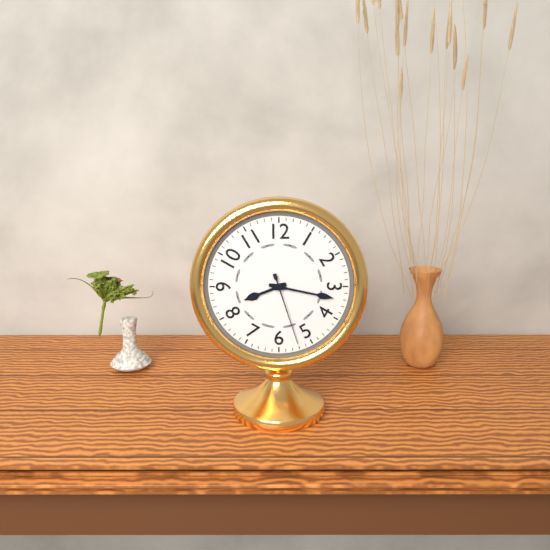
8:17:27
